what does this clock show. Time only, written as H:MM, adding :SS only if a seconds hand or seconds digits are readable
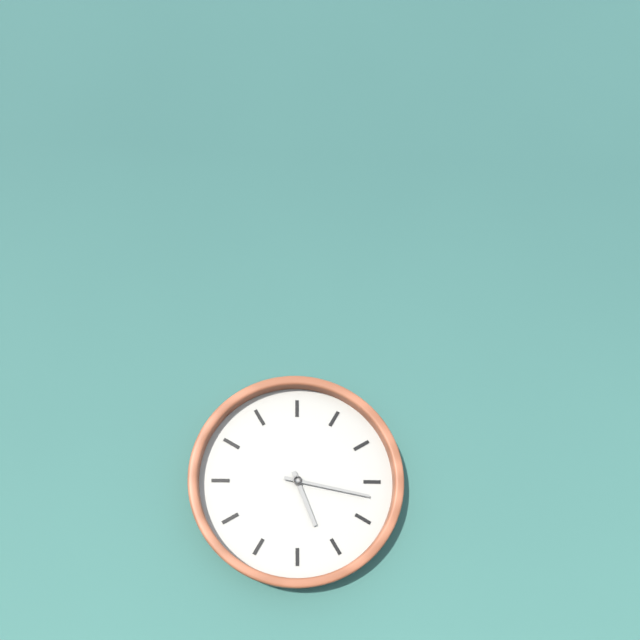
5:17
